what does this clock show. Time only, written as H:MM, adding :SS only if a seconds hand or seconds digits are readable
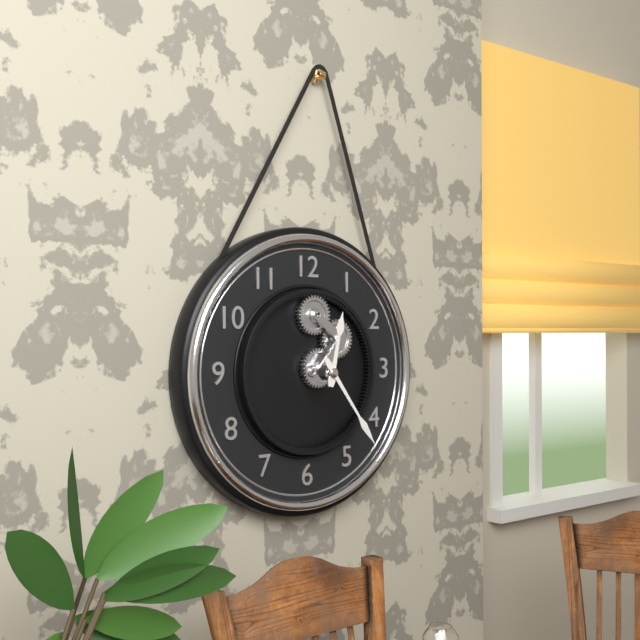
12:24
